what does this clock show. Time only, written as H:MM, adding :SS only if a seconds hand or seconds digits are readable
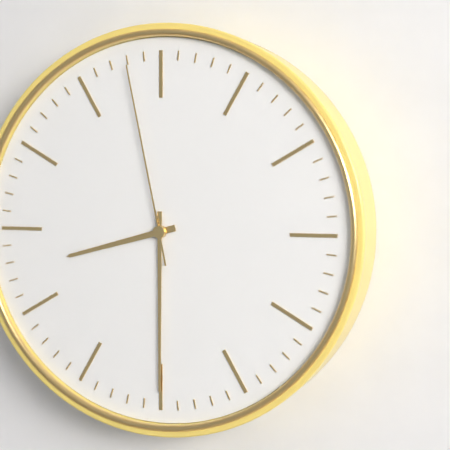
8:30:58
